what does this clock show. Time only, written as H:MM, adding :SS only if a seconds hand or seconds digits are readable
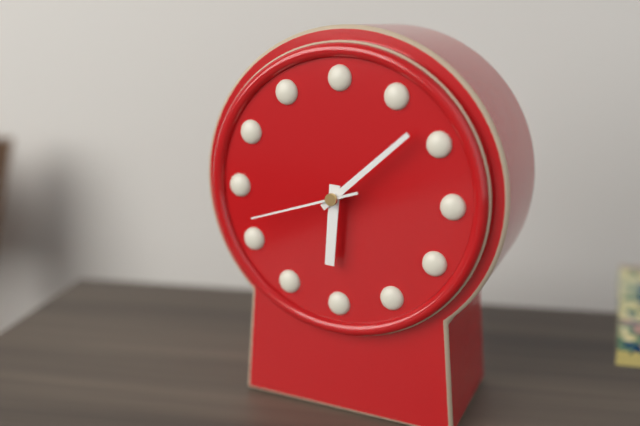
6:08:42
